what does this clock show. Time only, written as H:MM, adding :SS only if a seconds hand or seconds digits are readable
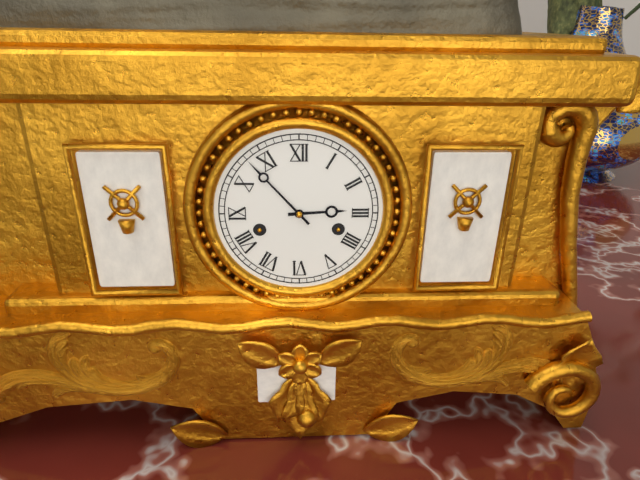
2:53
